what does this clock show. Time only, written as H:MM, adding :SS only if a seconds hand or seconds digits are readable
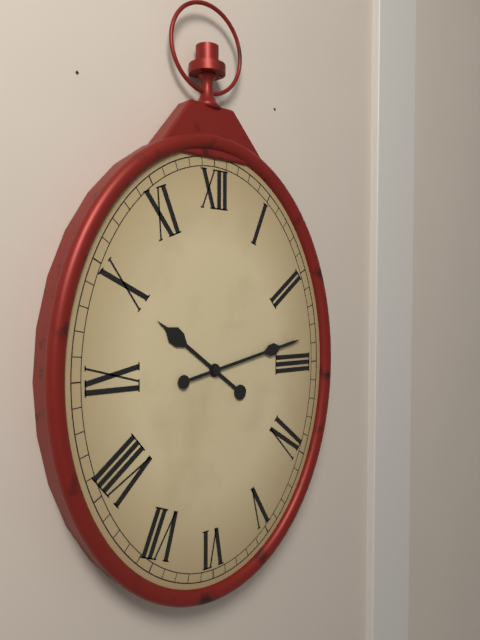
10:13
